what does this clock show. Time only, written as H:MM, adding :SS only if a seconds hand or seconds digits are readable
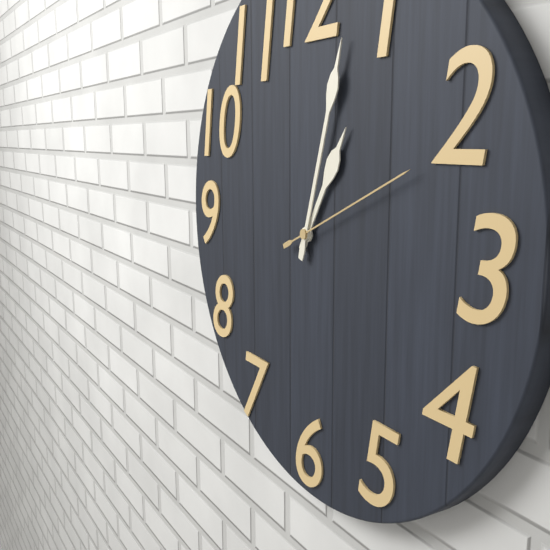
1:03:11
